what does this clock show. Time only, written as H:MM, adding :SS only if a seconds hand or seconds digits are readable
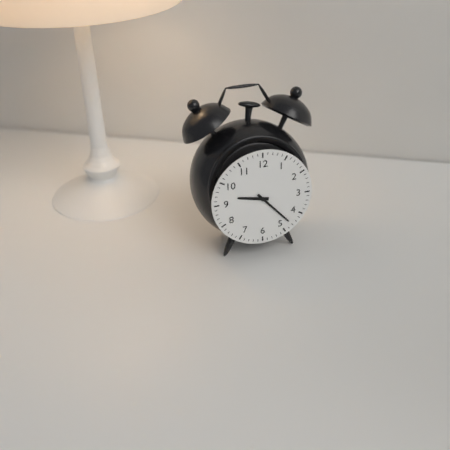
9:23
